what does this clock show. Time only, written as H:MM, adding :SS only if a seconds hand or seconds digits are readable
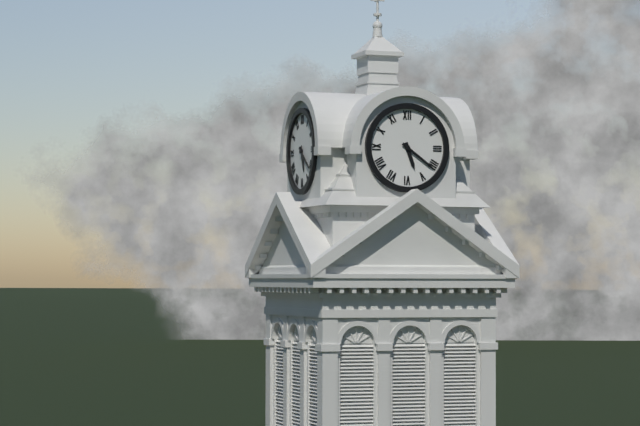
5:21
